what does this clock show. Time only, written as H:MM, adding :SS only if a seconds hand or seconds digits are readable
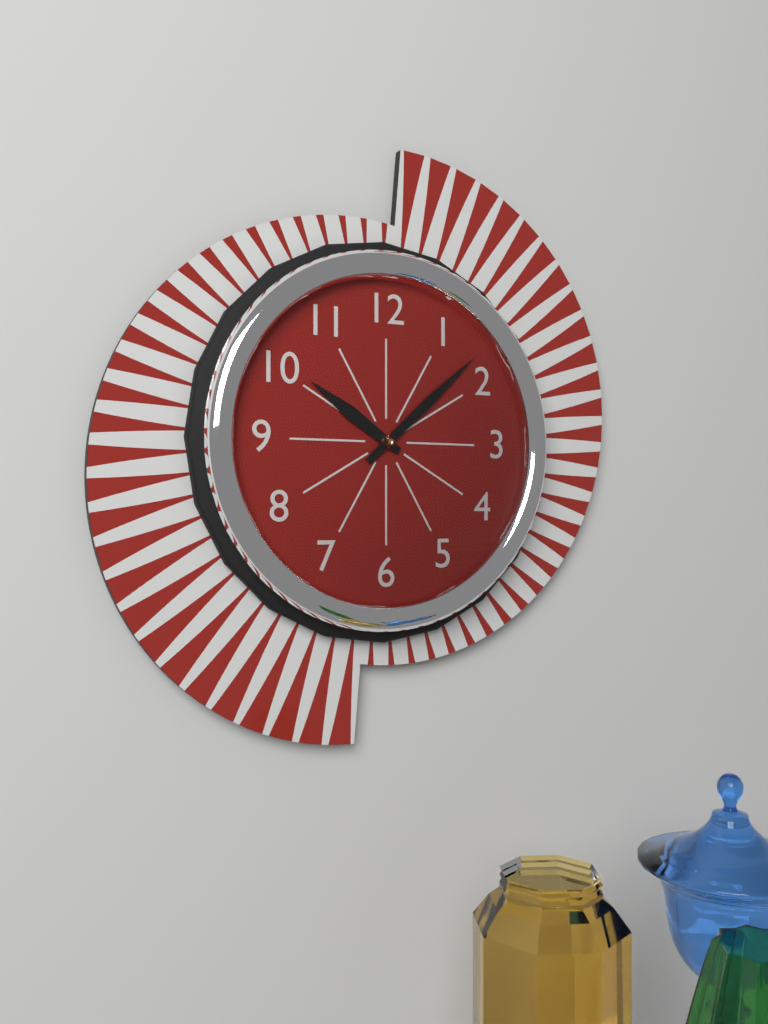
10:08
